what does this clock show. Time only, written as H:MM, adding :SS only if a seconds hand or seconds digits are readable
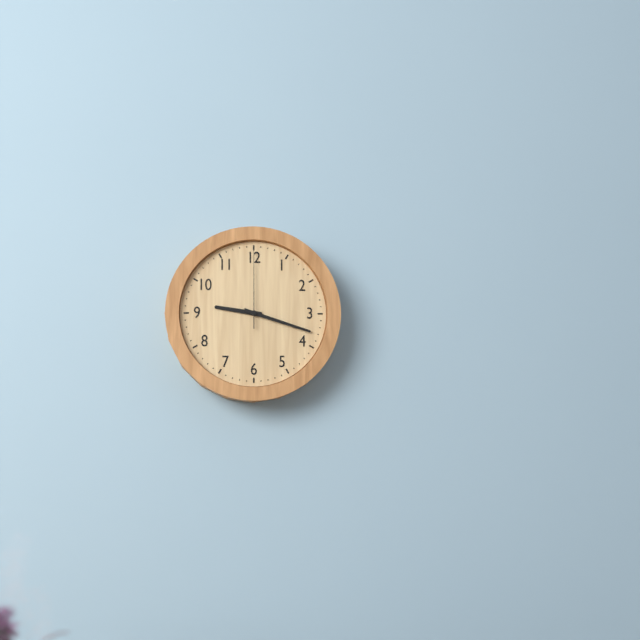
9:18:00
